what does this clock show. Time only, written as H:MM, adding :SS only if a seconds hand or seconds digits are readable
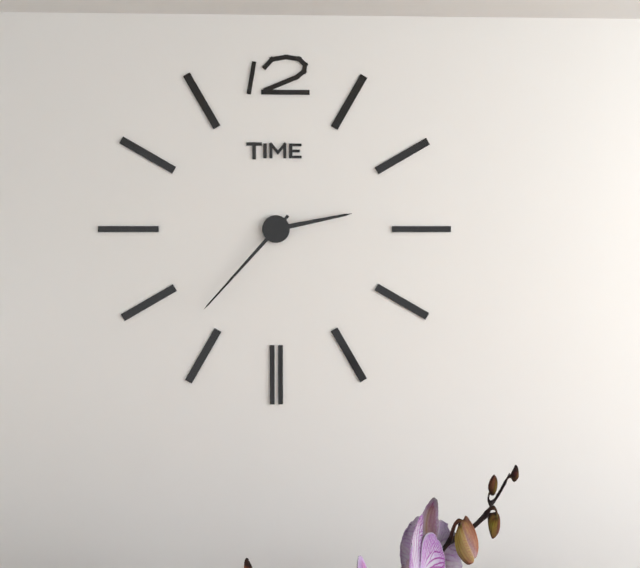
2:37
